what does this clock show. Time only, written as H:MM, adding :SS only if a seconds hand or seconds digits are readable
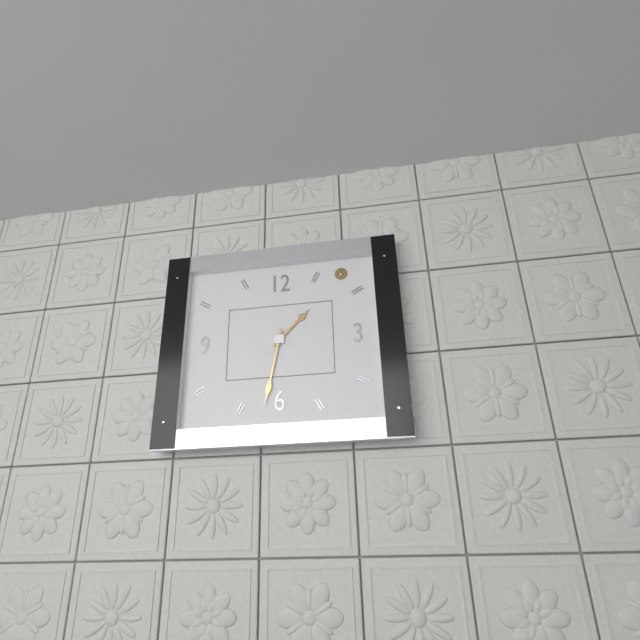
1:32
